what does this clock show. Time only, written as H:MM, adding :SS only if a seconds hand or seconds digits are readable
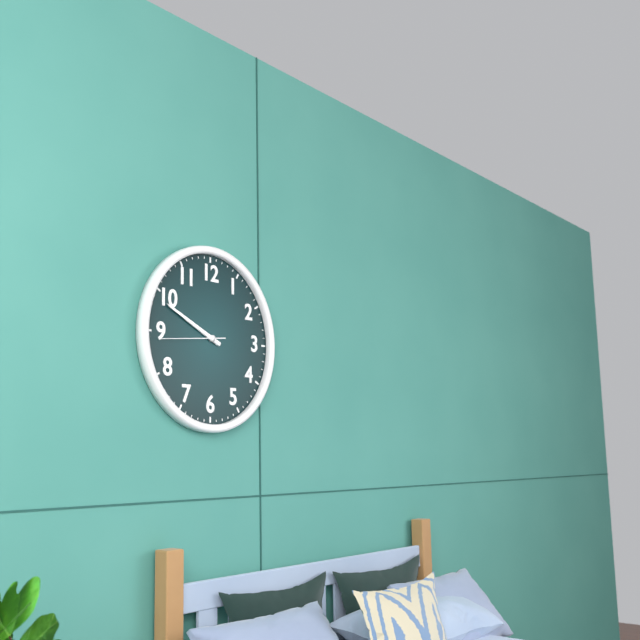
9:49:44
